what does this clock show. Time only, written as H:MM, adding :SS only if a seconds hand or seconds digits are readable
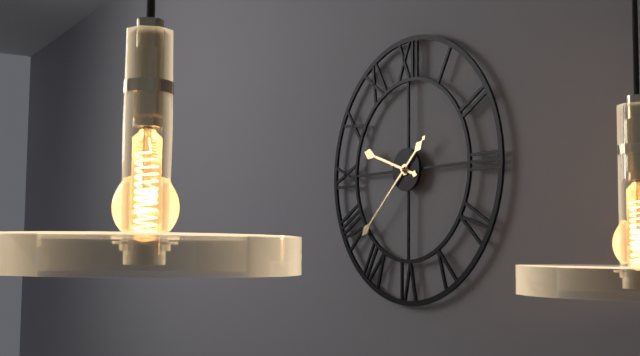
9:38
